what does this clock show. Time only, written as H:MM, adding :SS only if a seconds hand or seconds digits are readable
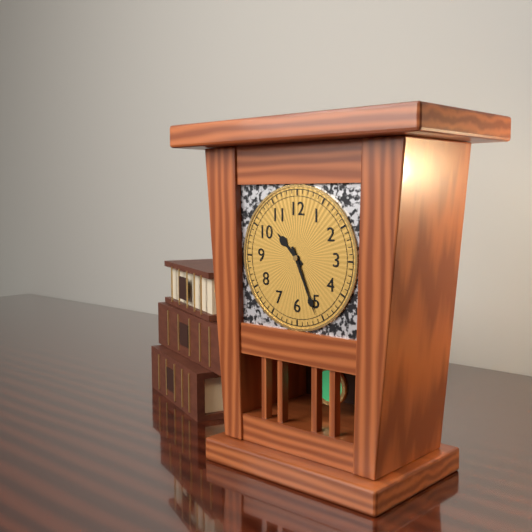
10:26
